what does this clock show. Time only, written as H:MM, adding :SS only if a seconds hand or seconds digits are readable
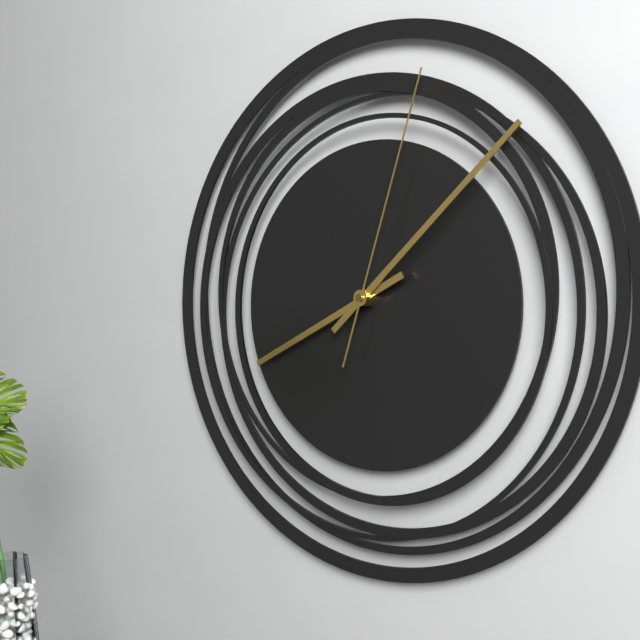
8:08:03
